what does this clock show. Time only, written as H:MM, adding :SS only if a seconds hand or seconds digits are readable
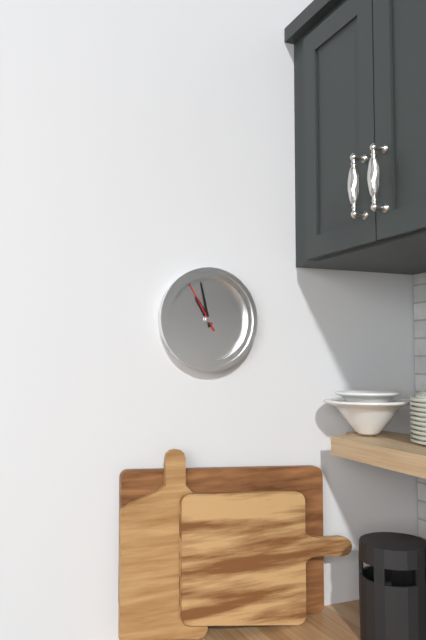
10:58:55
